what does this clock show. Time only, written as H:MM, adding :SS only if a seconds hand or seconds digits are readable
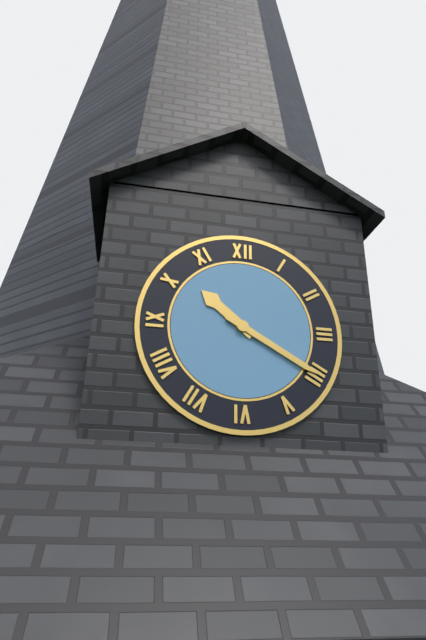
10:20
